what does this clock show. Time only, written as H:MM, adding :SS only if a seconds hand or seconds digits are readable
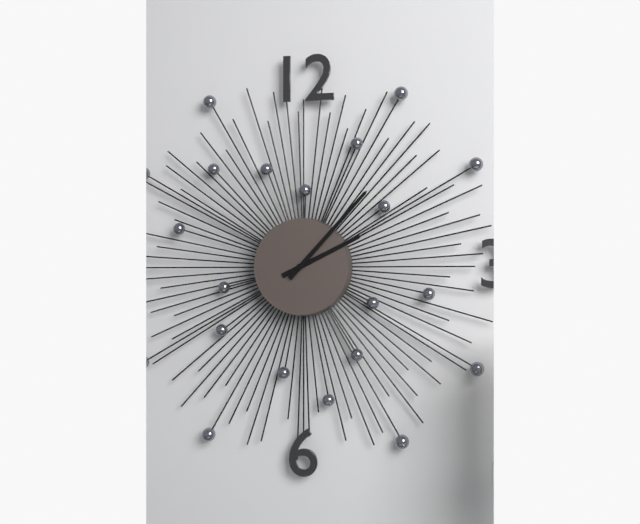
2:07
